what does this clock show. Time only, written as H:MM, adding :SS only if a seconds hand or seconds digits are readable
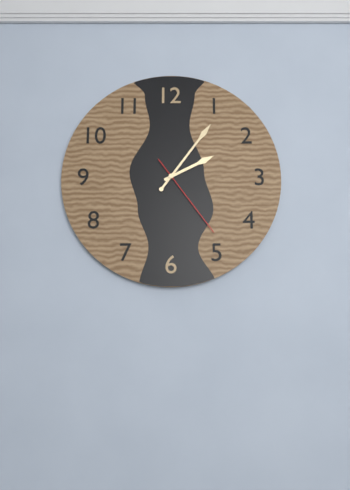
2:06:24
